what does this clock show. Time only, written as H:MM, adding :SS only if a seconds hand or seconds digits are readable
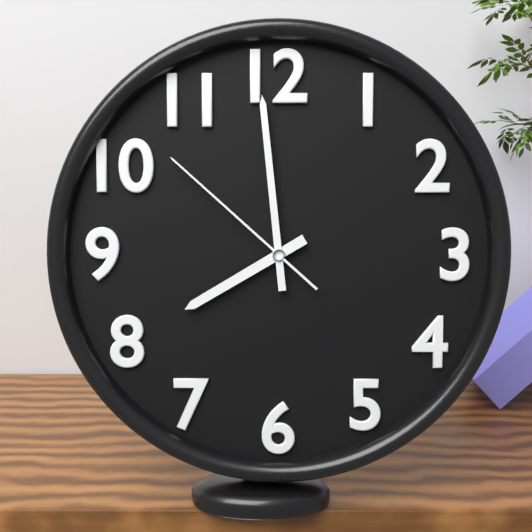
7:59:52
